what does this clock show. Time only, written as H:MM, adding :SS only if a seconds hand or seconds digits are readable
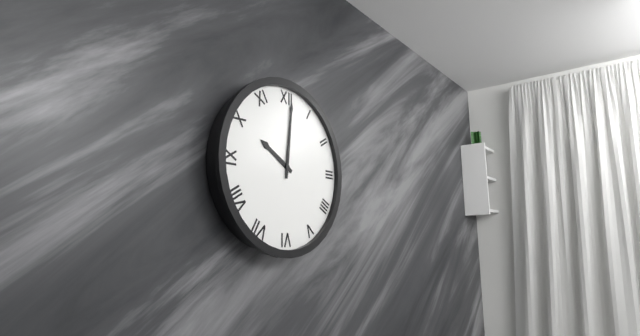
10:01
